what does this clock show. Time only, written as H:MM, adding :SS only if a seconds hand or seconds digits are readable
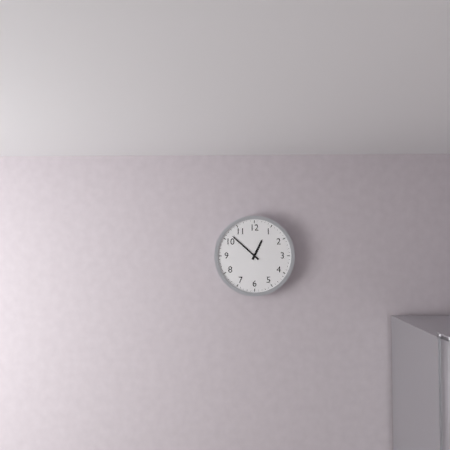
12:52
